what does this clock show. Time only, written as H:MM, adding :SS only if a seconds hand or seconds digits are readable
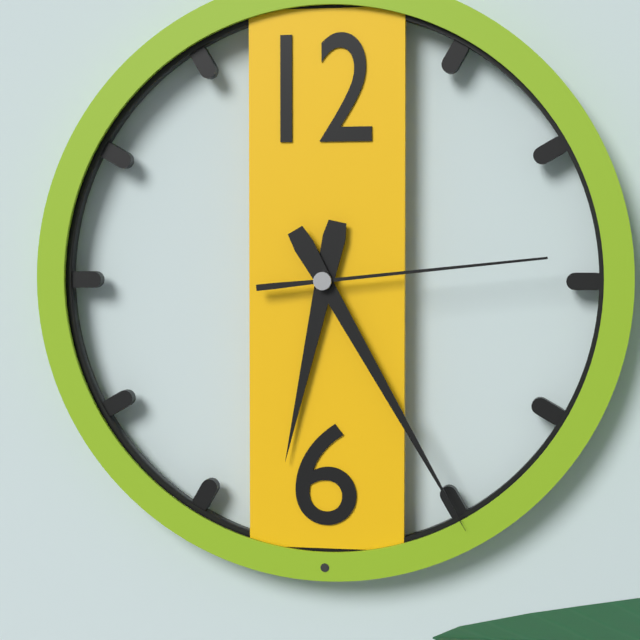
6:25:14
